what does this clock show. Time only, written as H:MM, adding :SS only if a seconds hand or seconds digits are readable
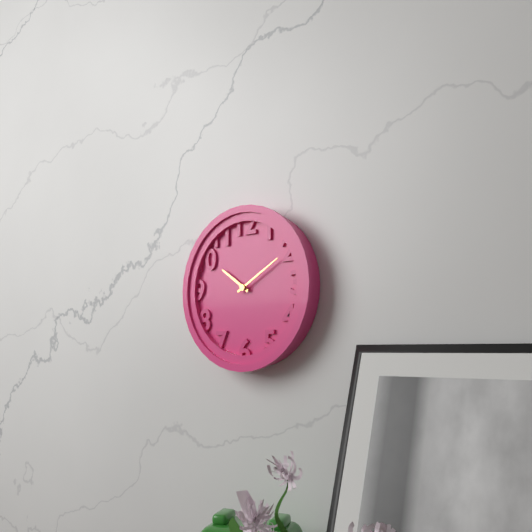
10:10
